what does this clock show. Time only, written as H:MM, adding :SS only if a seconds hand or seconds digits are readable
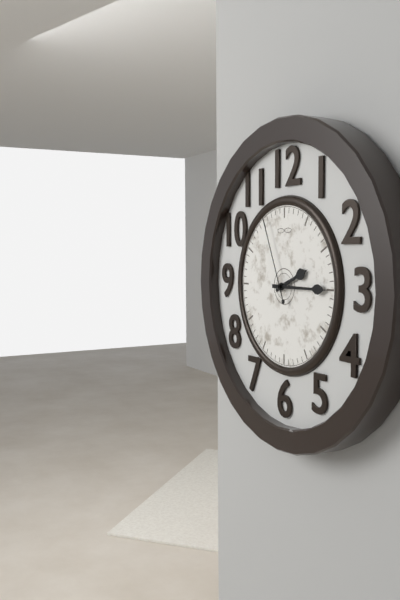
2:15:56
